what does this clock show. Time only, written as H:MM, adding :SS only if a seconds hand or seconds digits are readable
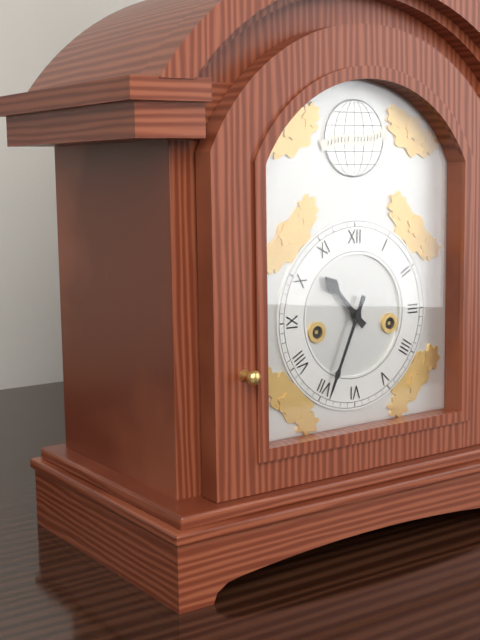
10:34
